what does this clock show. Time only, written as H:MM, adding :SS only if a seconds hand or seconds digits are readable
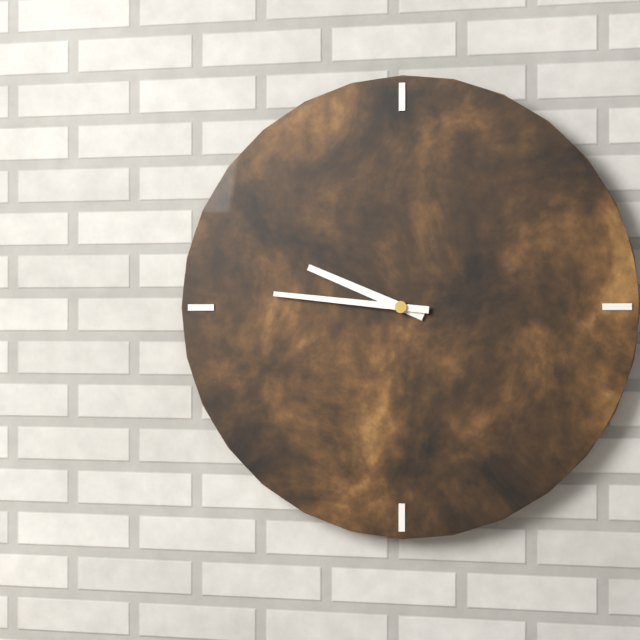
9:46
